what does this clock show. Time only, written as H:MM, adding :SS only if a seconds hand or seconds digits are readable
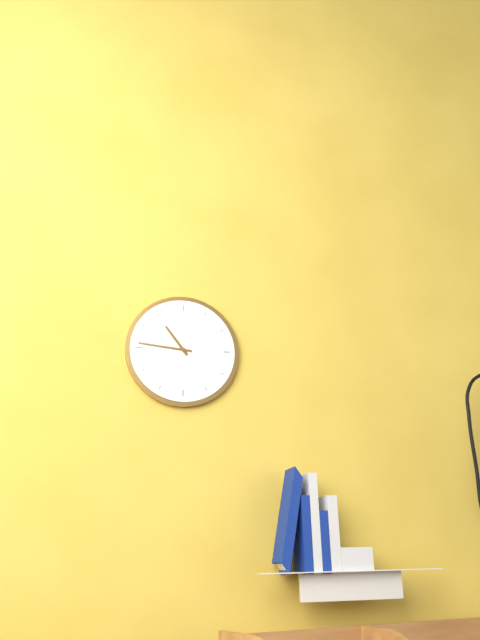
10:46
